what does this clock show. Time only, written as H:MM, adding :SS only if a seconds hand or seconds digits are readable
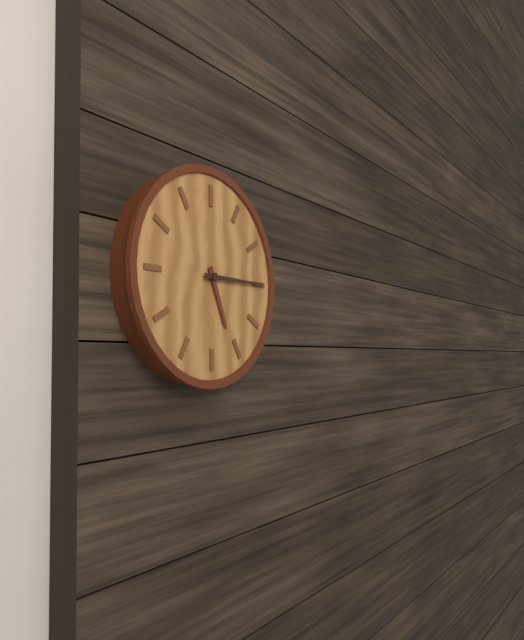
5:15
